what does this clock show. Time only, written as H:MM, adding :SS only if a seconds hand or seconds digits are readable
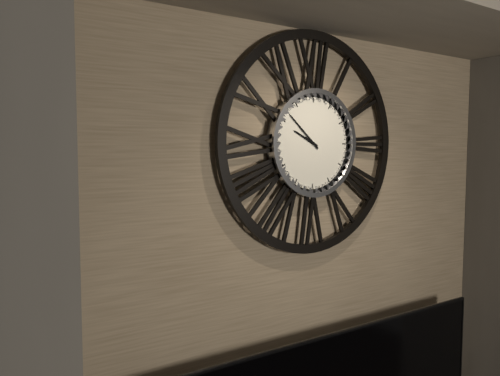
9:52
